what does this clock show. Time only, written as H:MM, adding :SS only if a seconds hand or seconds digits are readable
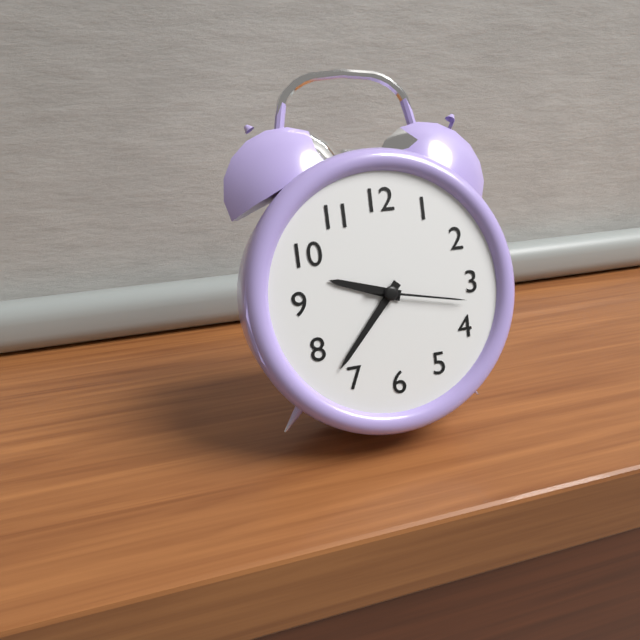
9:37:17
